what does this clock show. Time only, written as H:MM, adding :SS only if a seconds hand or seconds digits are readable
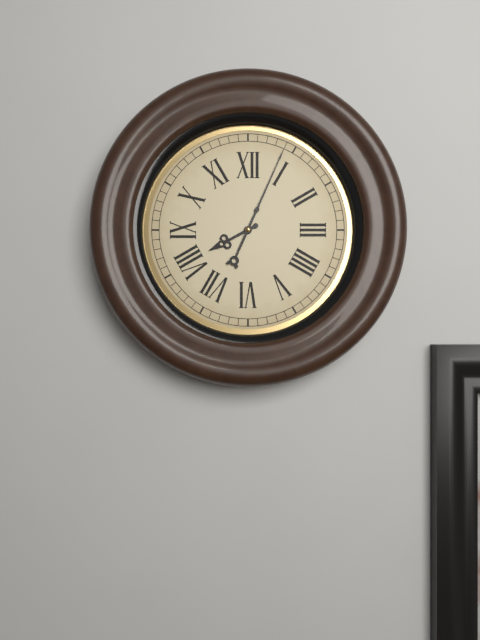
8:04
